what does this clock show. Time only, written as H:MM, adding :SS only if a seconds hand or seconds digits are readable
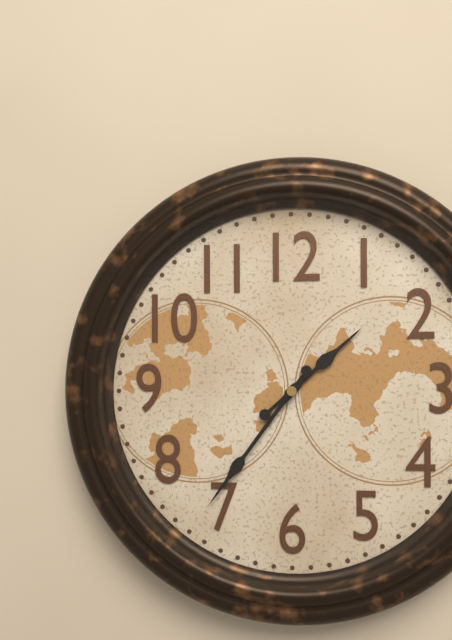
1:36
